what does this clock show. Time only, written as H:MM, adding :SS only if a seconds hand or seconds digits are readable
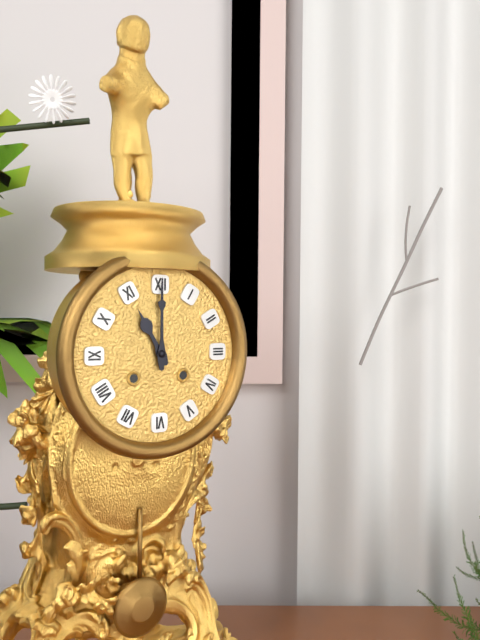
11:00
